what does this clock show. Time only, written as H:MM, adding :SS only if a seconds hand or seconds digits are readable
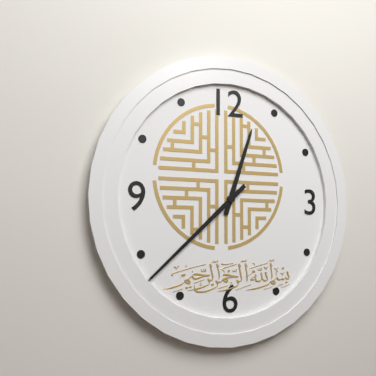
12:38
